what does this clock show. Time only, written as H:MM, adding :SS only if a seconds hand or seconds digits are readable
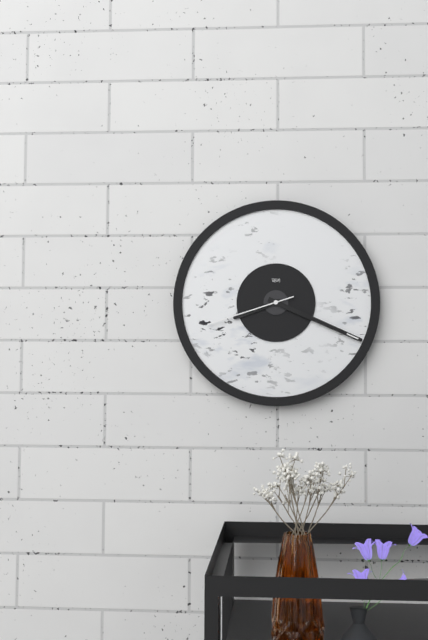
8:19:42
